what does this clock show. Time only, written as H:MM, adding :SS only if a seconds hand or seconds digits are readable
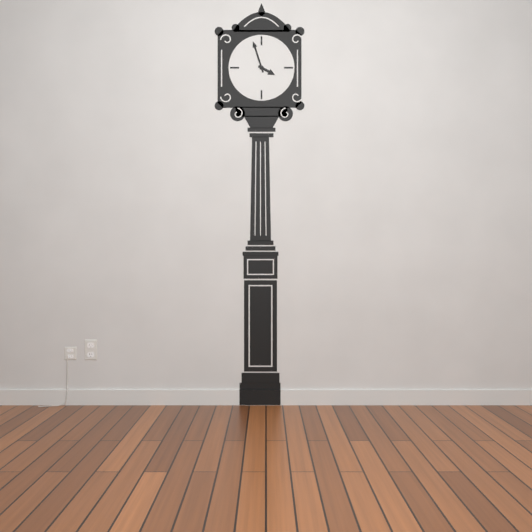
3:57
